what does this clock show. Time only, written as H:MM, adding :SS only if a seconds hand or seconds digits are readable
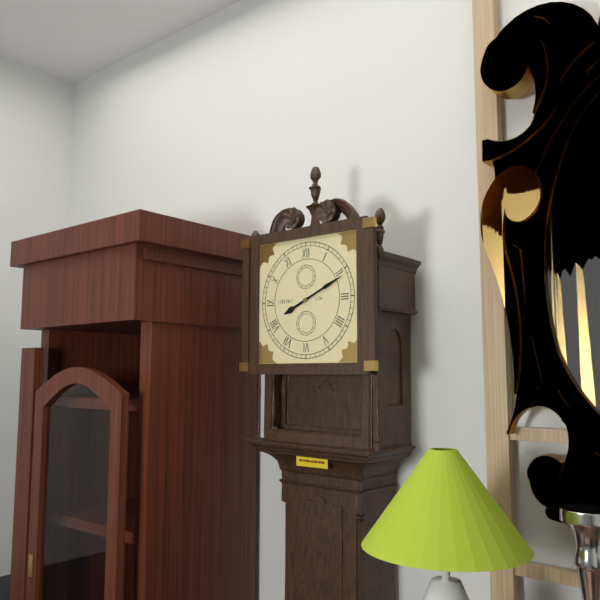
8:11
